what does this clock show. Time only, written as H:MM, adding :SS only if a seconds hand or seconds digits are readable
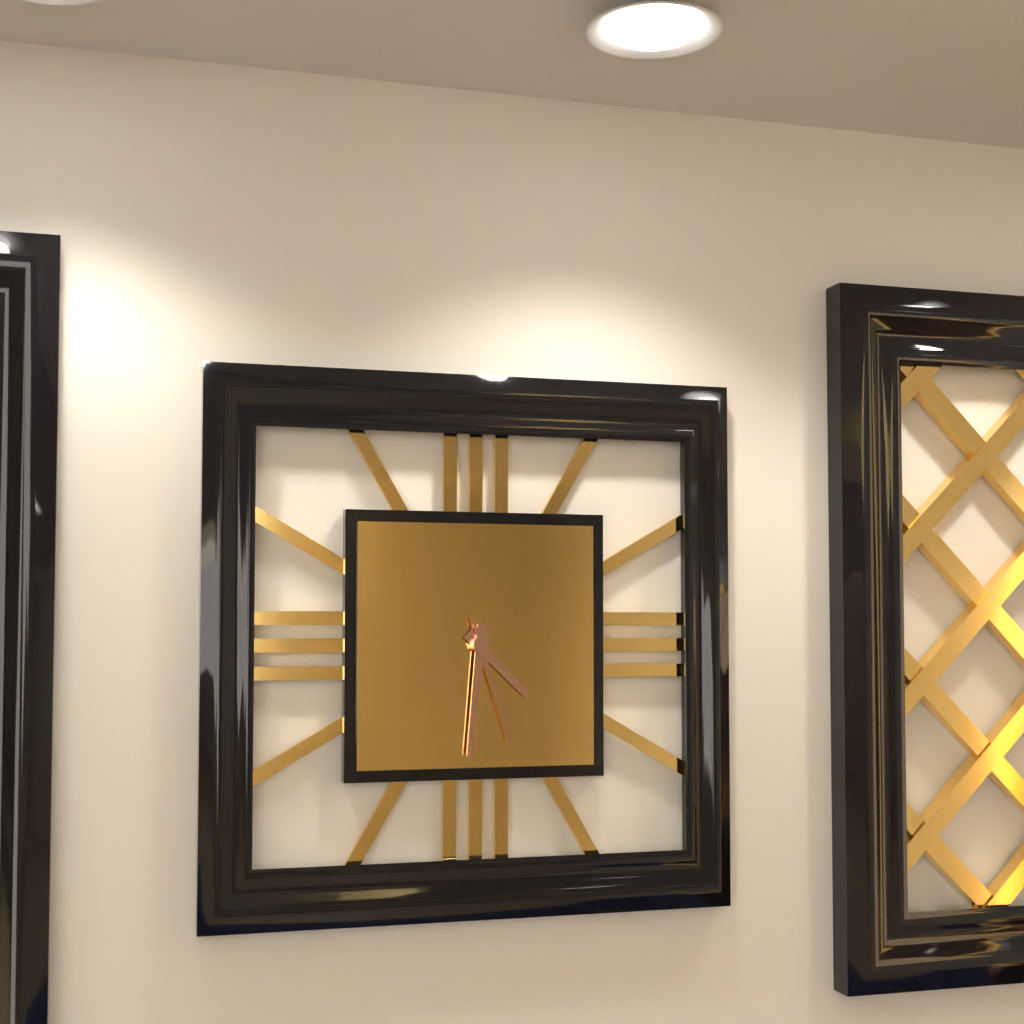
4:31:27
